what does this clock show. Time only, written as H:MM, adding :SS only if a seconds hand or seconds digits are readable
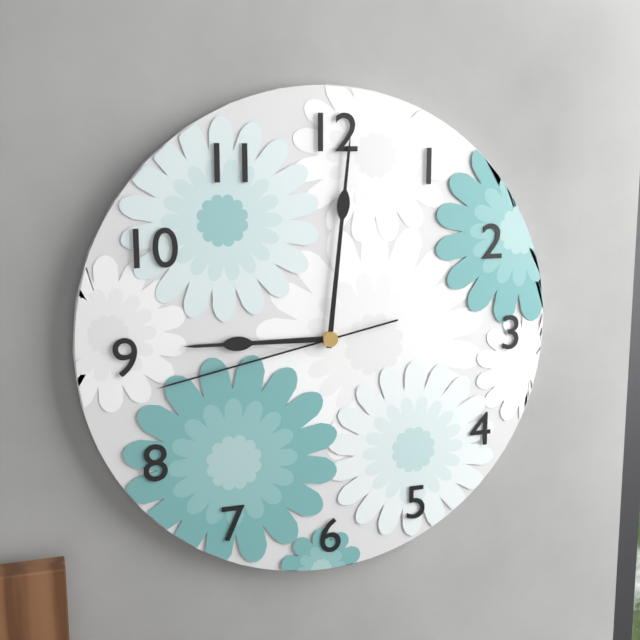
9:01:43
